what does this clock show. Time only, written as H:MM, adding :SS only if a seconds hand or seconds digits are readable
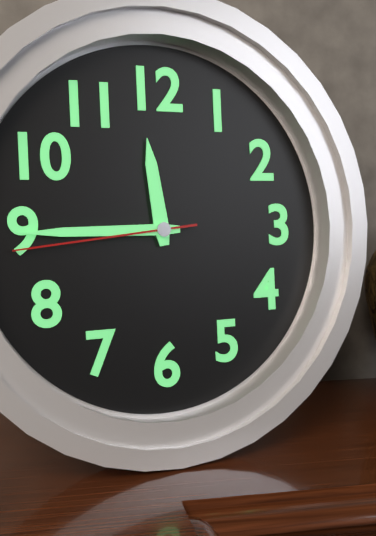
11:45:44
